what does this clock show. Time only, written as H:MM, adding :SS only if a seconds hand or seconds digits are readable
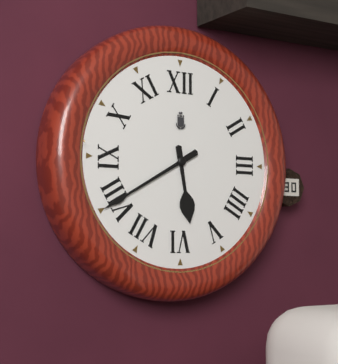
5:40
